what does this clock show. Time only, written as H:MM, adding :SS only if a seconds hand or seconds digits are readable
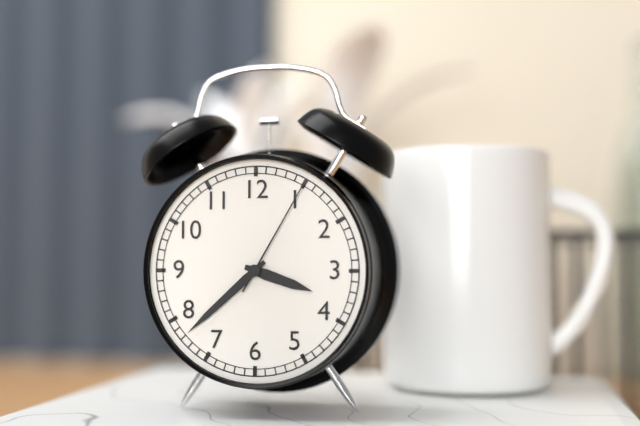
3:38:05
